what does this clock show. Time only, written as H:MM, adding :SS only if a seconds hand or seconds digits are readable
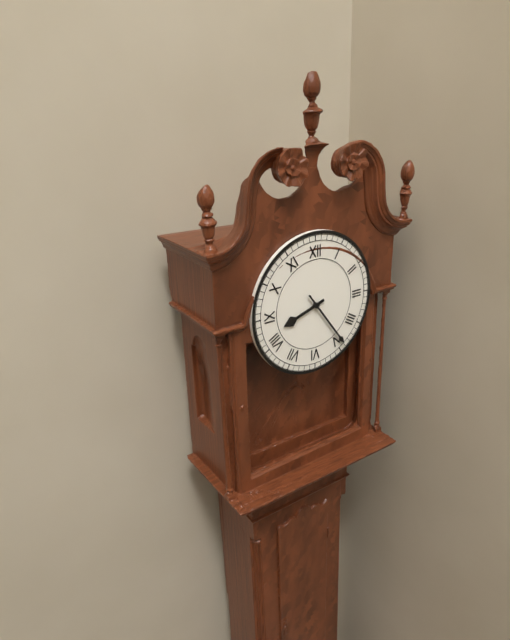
8:24
